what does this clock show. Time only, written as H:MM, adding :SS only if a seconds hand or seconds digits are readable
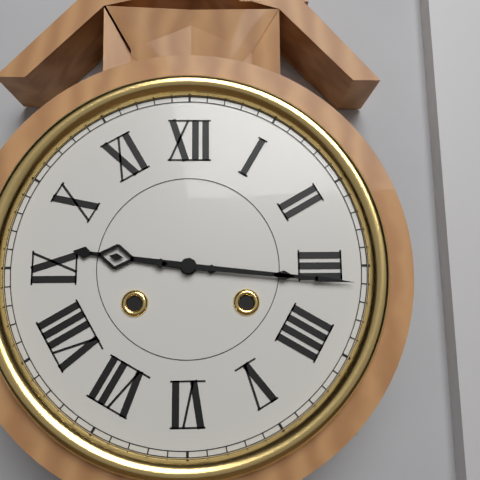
9:16
